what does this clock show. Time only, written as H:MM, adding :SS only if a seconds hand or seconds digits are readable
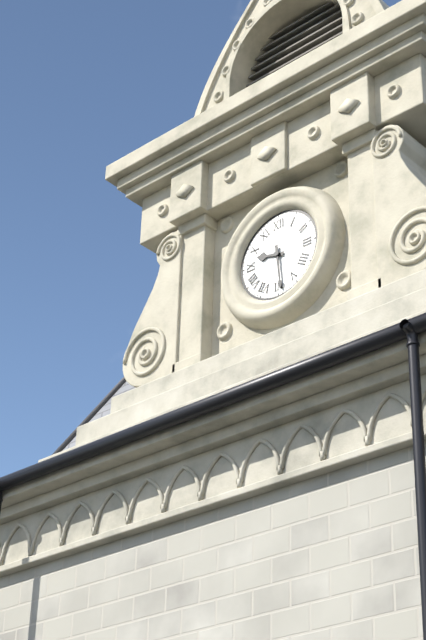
9:29
